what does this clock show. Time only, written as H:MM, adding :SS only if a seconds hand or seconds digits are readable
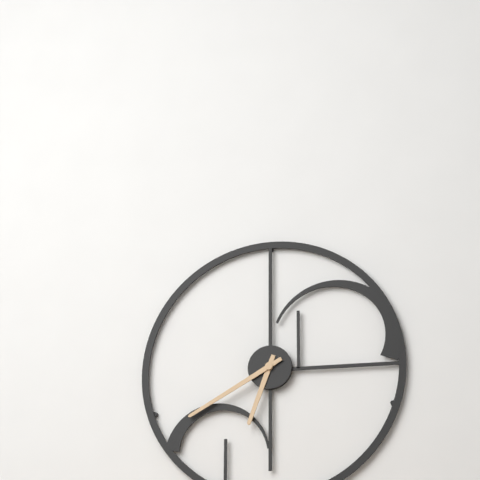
6:40
